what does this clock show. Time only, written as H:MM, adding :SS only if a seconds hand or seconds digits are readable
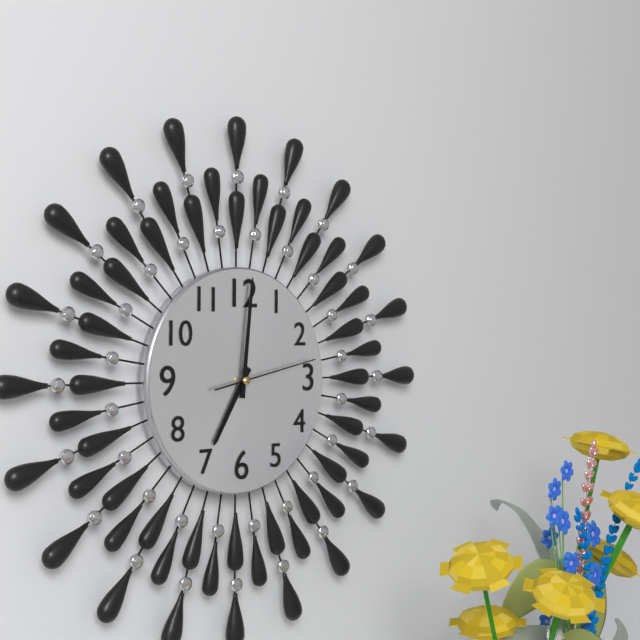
7:01:13
